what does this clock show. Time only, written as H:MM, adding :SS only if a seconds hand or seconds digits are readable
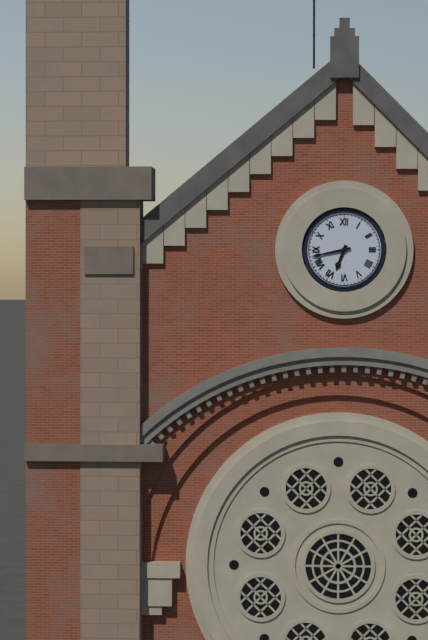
6:43
